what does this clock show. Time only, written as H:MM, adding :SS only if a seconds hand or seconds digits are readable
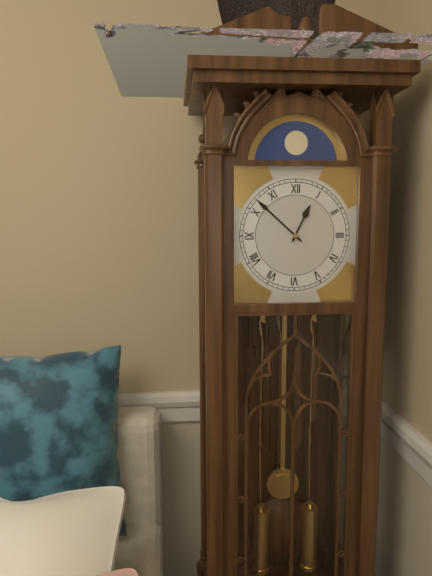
12:52
